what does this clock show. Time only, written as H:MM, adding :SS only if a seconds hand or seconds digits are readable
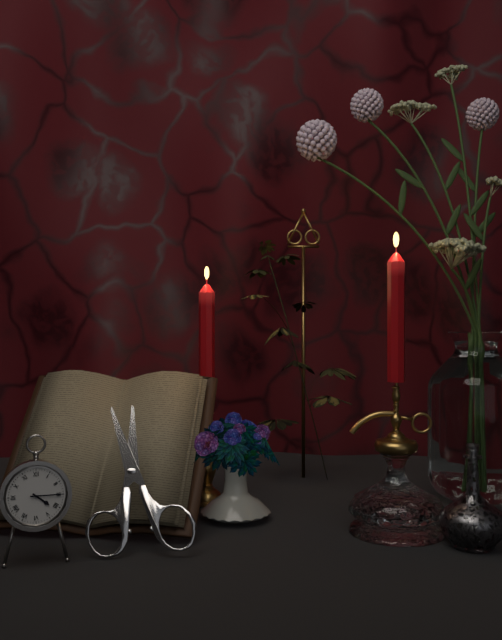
4:15
